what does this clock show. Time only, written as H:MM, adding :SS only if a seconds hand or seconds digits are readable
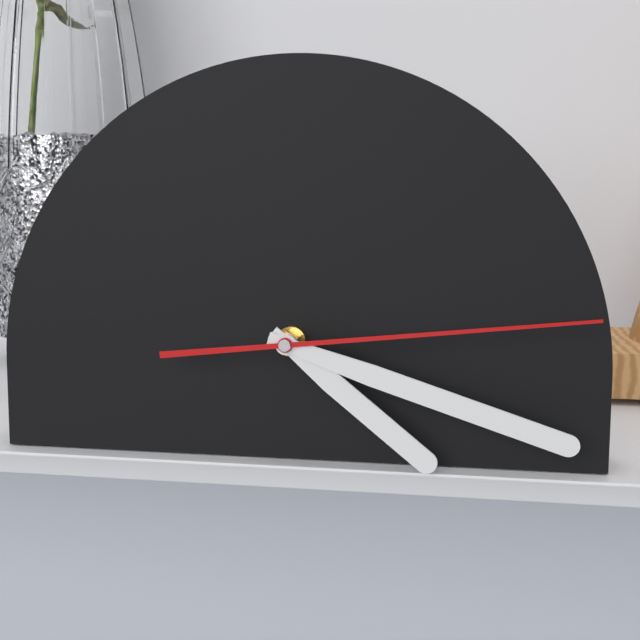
4:18:14
